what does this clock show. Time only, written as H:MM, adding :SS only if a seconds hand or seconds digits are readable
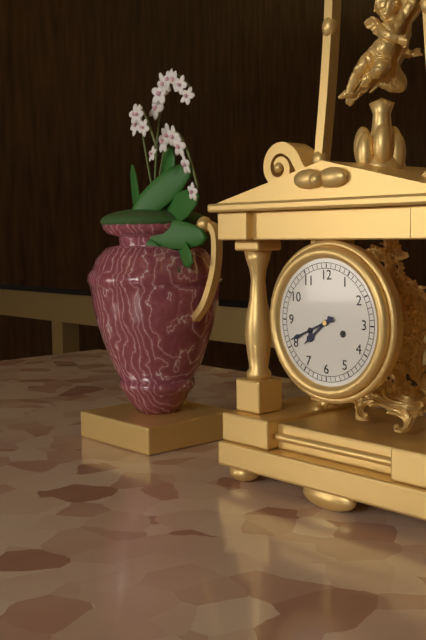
7:41
